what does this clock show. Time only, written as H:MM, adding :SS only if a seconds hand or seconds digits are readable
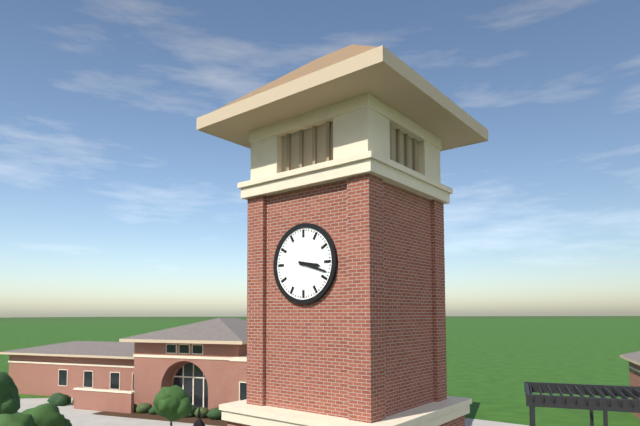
3:18
